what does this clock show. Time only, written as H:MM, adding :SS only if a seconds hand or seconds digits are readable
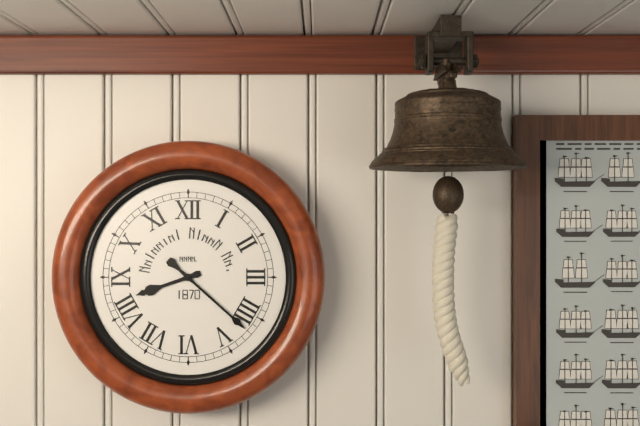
8:22
